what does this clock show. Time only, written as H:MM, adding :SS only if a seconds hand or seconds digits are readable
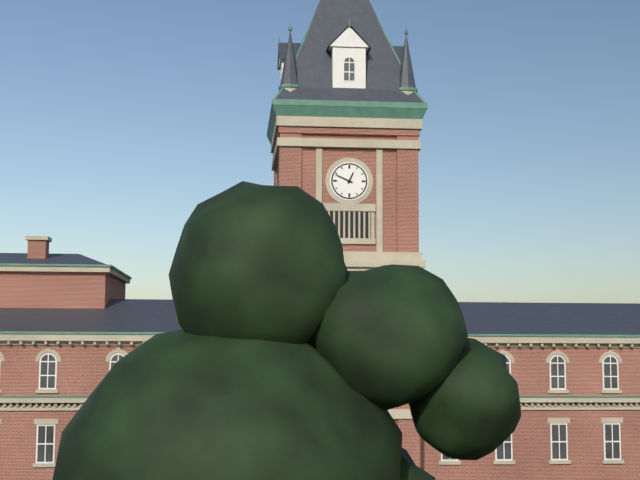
12:49
